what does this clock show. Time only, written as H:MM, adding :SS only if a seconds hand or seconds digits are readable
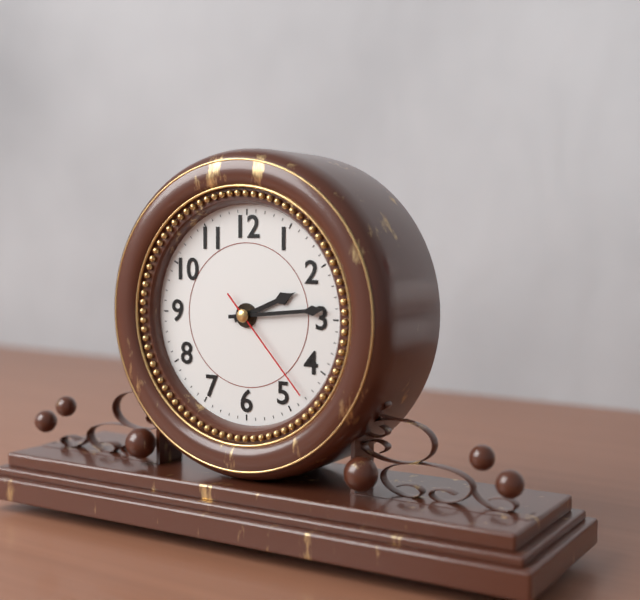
2:14:23
